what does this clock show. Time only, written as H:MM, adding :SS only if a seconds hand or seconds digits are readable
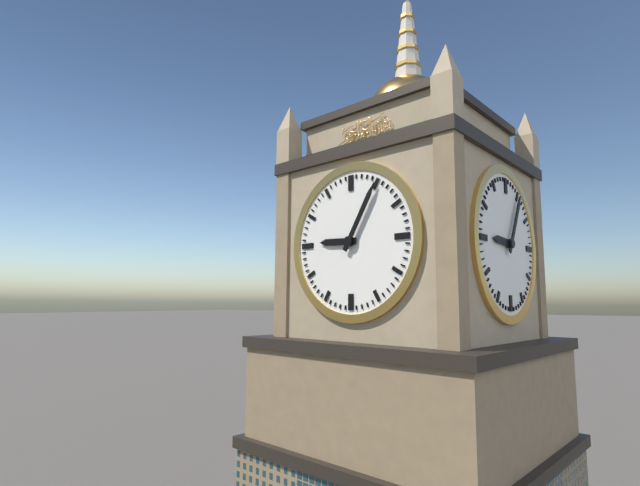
9:05
